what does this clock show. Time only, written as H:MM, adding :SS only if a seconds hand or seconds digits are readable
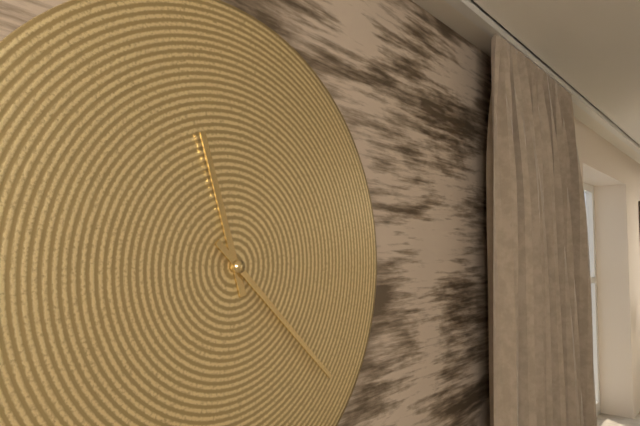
11:22
